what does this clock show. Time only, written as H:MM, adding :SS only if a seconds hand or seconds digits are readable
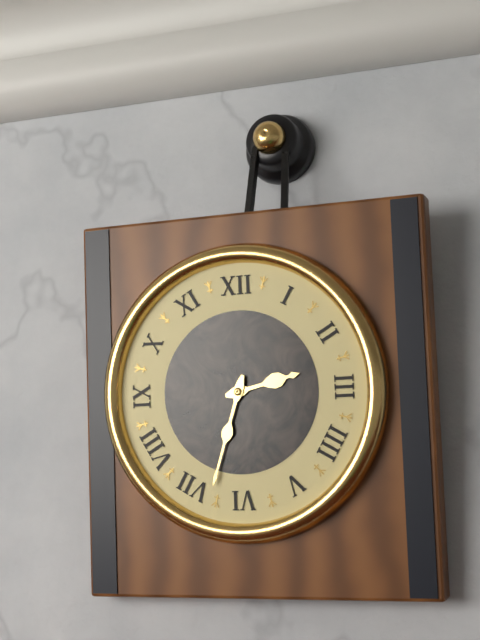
2:33
